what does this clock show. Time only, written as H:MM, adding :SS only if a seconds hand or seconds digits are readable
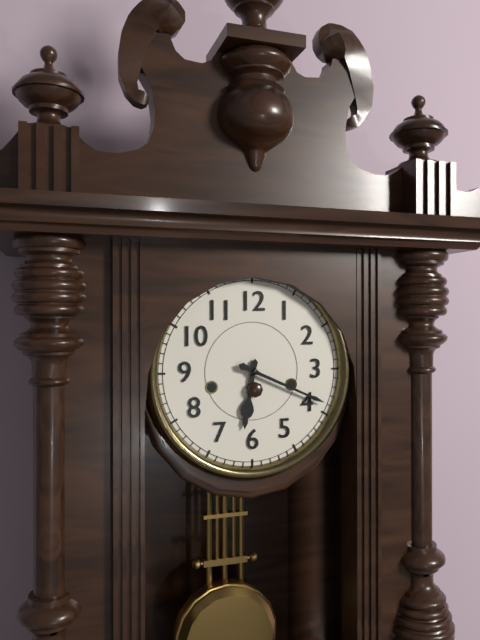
6:19
